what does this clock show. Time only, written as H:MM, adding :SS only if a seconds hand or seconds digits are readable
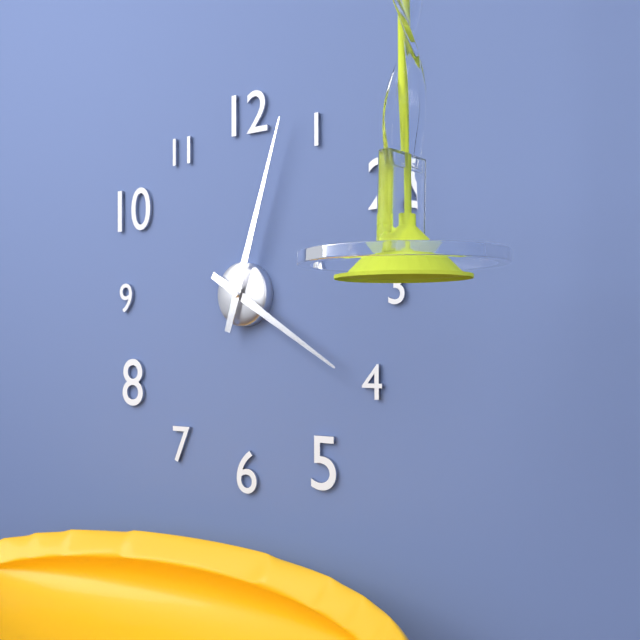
4:03
